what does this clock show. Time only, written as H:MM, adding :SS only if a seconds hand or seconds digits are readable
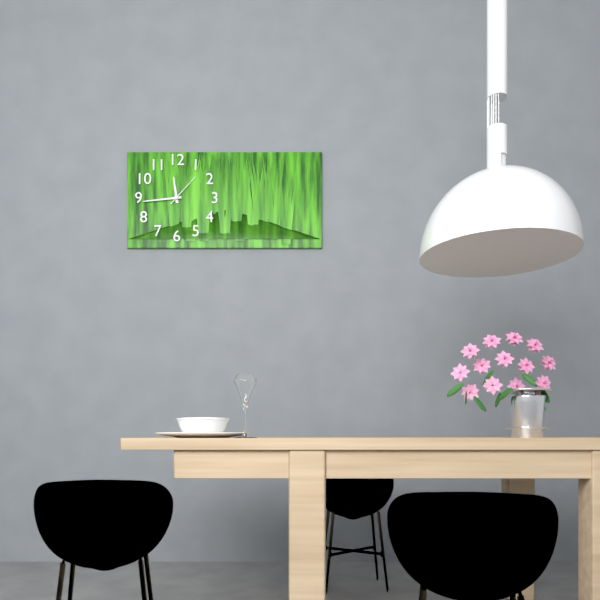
11:44
